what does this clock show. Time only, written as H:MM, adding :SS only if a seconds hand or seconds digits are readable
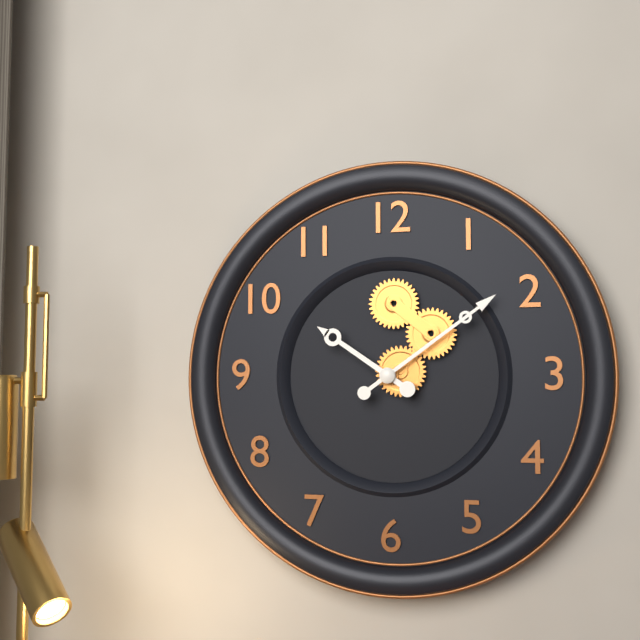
10:09
